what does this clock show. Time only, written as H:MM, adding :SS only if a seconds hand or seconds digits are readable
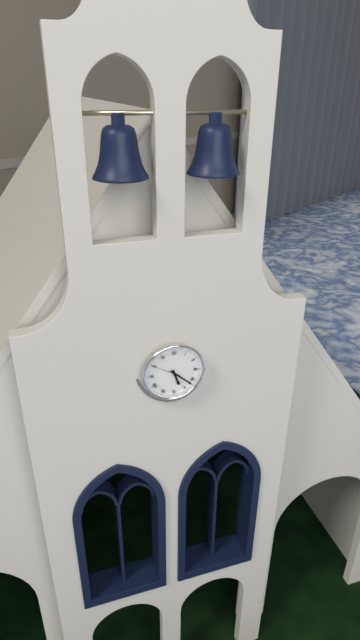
5:22
